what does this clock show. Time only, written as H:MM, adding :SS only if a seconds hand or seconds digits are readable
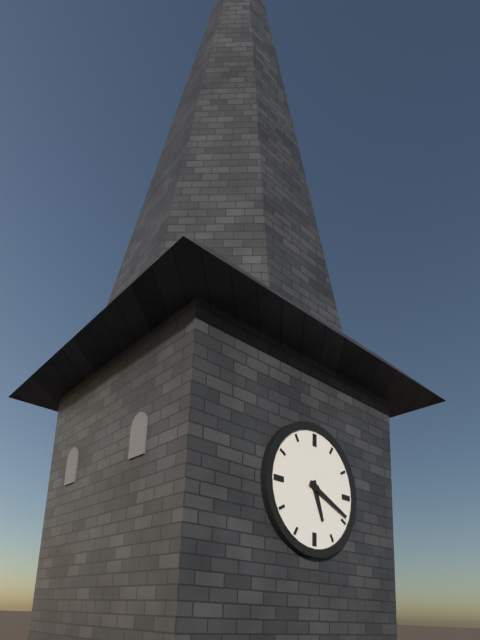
5:19
